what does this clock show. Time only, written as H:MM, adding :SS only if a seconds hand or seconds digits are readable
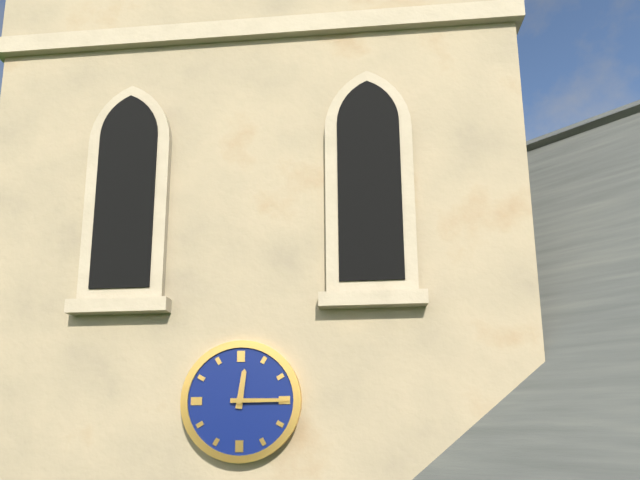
12:15
